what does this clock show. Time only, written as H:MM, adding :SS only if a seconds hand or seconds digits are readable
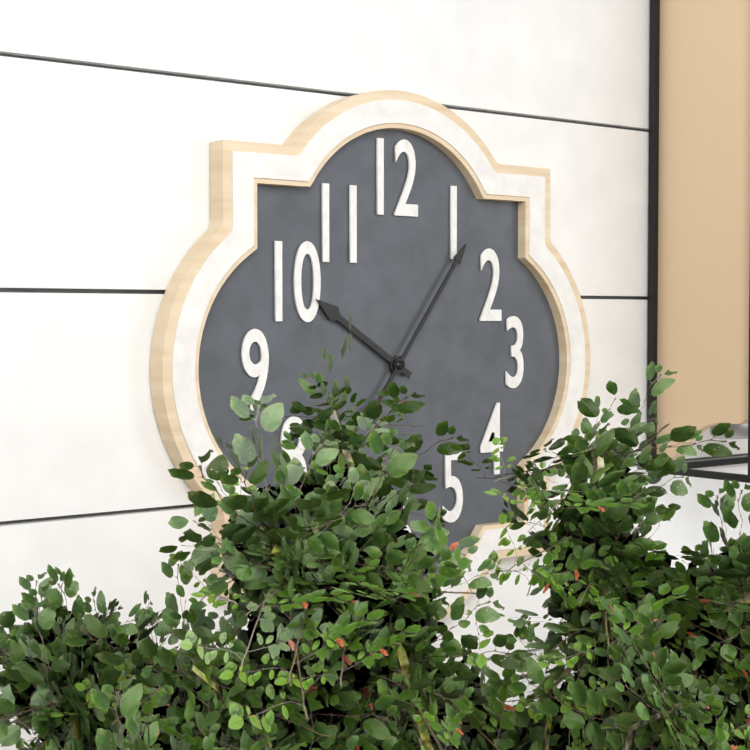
10:06
